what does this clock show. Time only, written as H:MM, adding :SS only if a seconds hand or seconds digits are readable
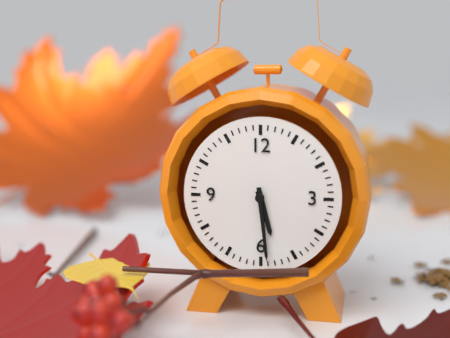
5:29
